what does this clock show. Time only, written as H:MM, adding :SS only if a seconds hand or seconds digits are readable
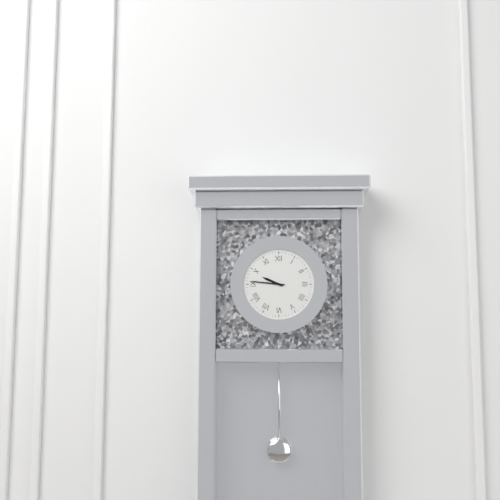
9:46
